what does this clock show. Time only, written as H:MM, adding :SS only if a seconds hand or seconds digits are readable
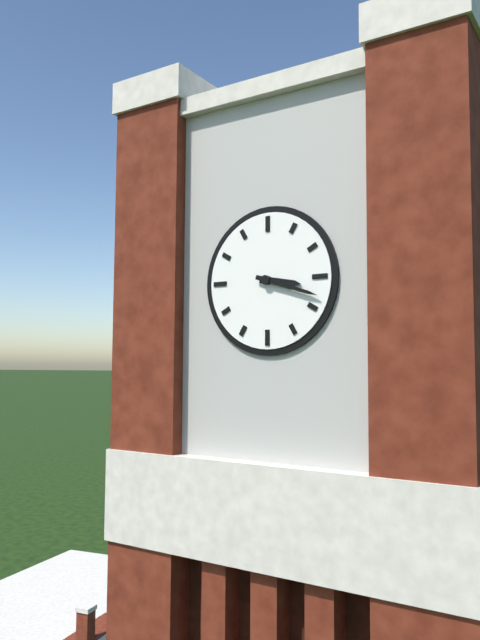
3:18
